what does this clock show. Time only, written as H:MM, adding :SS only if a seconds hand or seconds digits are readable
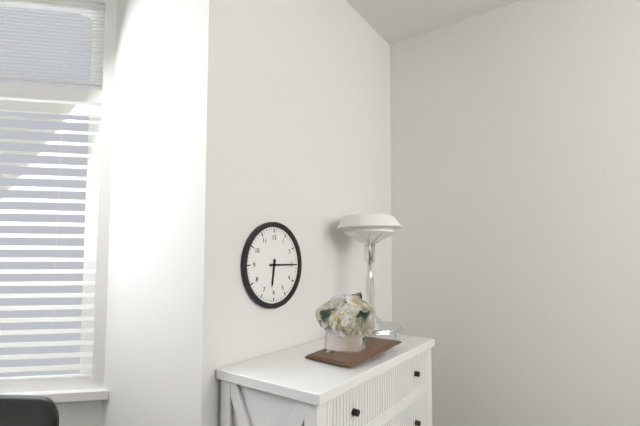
6:15
